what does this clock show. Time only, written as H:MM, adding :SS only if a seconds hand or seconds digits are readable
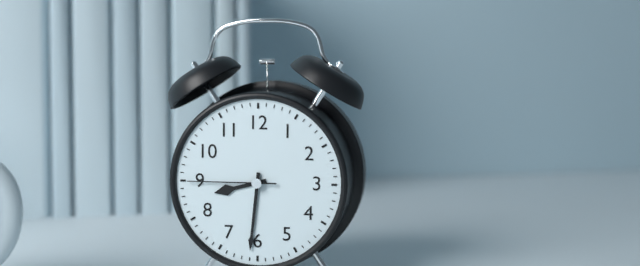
8:31:45
